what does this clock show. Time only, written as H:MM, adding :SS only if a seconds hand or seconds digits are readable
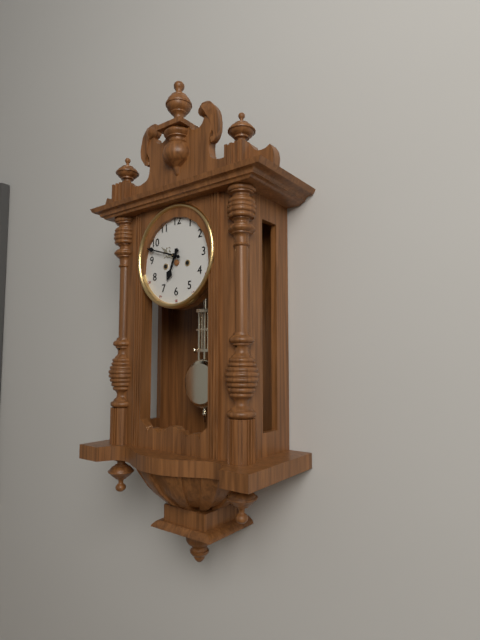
6:48
